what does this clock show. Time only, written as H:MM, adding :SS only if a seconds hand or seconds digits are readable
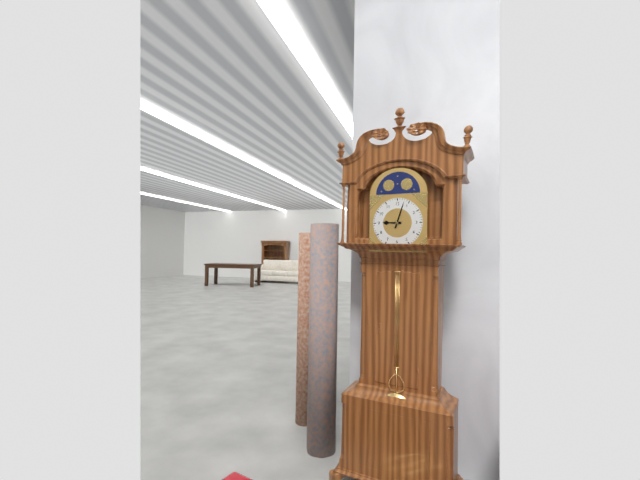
9:03
